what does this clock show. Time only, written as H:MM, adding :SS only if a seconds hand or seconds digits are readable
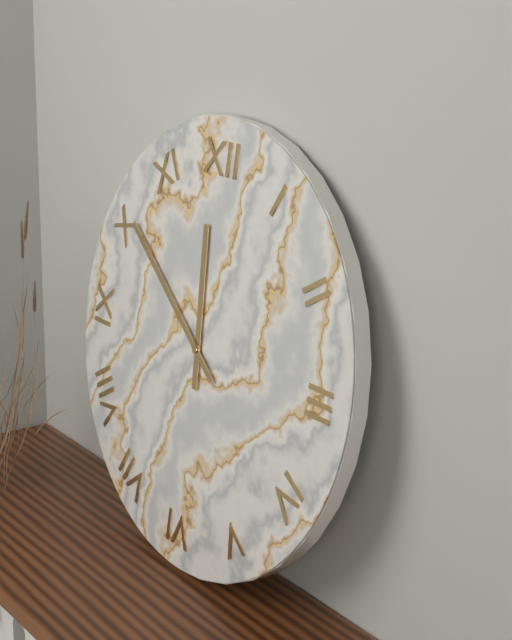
11:51
